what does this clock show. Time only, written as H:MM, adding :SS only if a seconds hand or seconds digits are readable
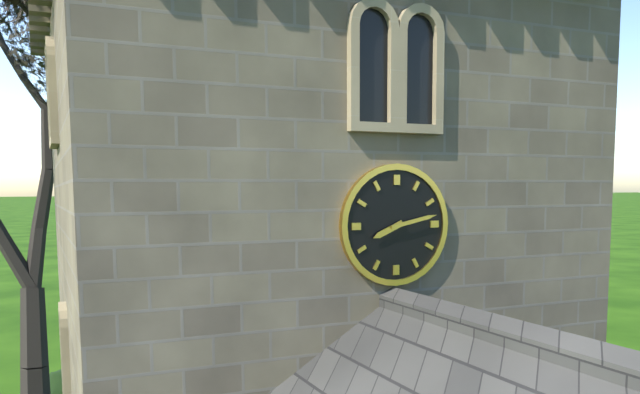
8:13
